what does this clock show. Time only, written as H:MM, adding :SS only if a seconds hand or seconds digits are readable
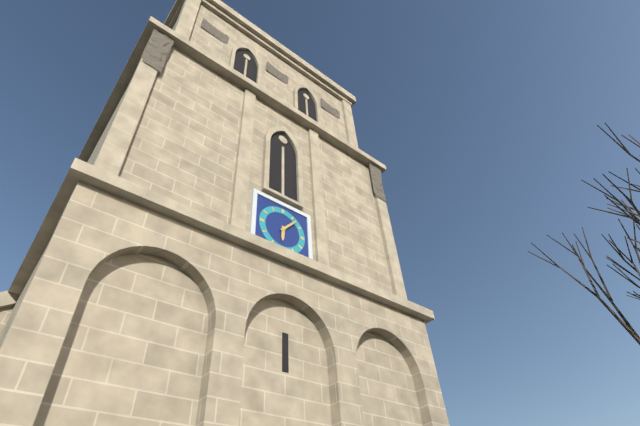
6:07
